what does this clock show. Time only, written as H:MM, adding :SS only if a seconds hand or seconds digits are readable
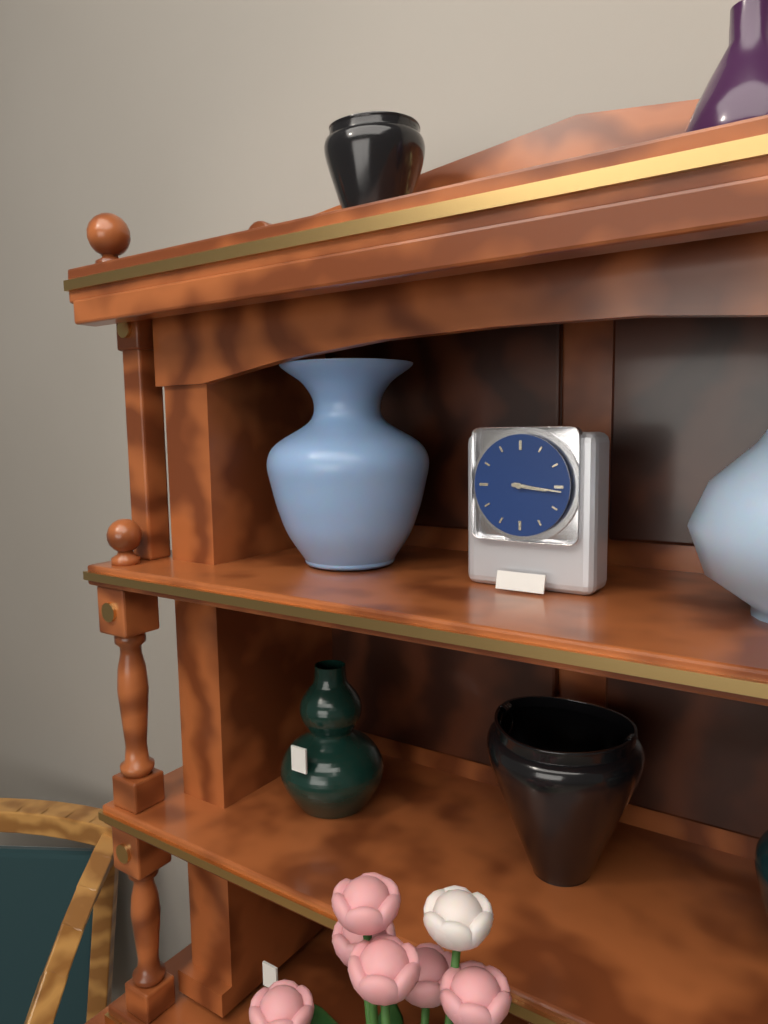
3:16
